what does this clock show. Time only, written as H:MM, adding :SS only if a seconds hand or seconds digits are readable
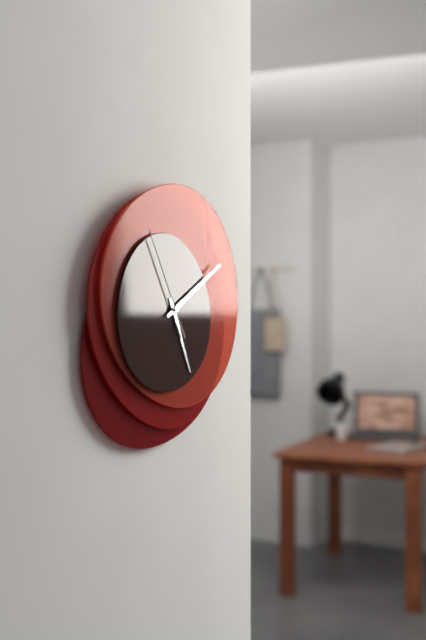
5:10:55
